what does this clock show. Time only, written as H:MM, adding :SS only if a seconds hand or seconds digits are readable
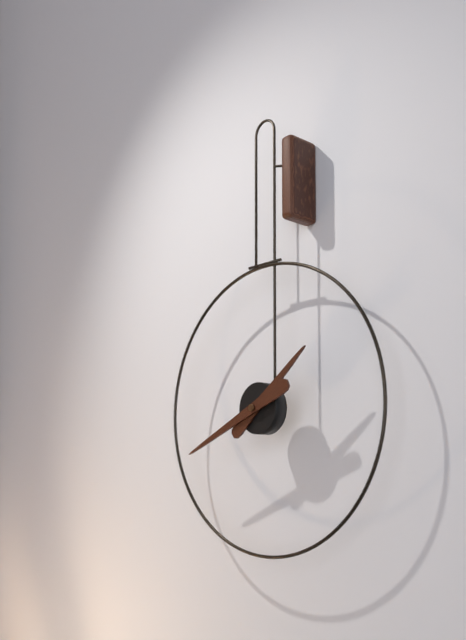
1:41
